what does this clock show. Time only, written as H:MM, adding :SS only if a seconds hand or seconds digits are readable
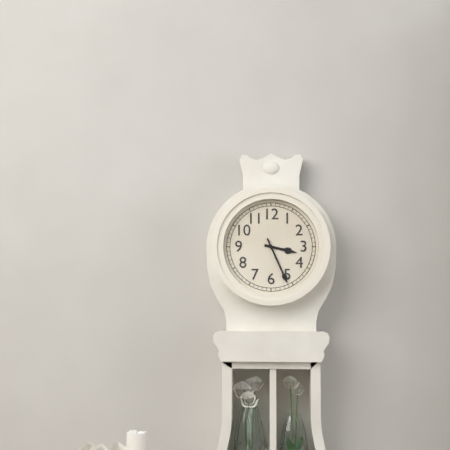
3:26
